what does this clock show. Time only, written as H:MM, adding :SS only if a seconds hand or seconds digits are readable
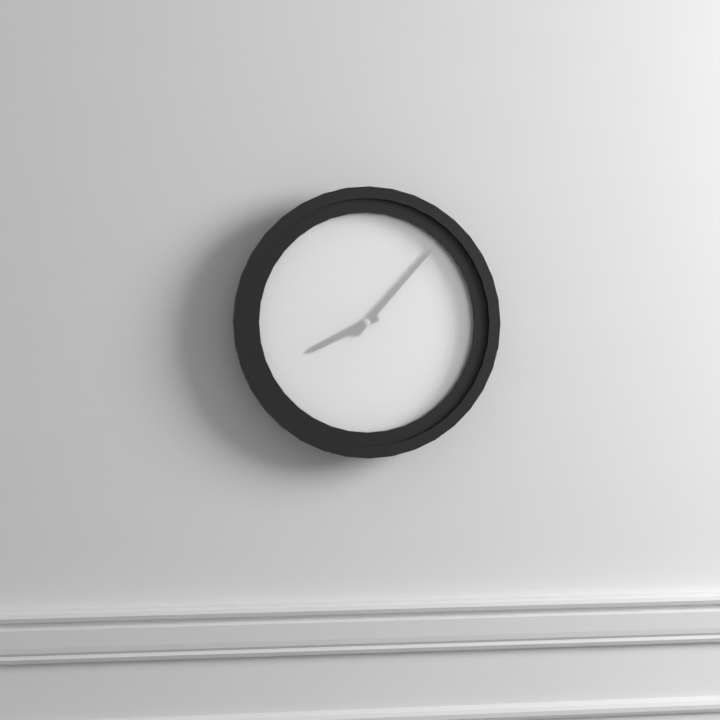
8:07
